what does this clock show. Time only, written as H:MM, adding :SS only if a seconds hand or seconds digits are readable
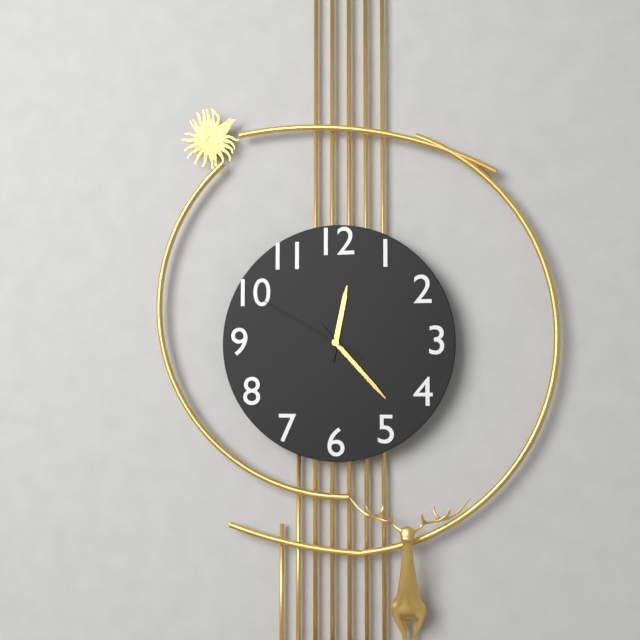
12:23:50
